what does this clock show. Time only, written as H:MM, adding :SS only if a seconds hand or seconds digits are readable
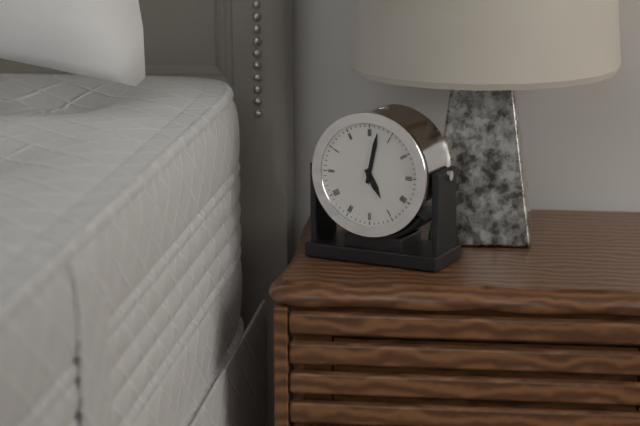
5:02
